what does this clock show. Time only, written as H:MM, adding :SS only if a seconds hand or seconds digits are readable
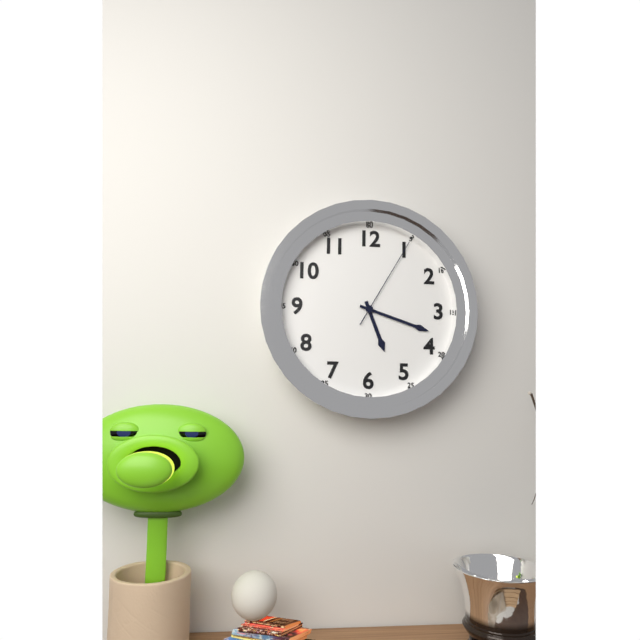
5:18:05
